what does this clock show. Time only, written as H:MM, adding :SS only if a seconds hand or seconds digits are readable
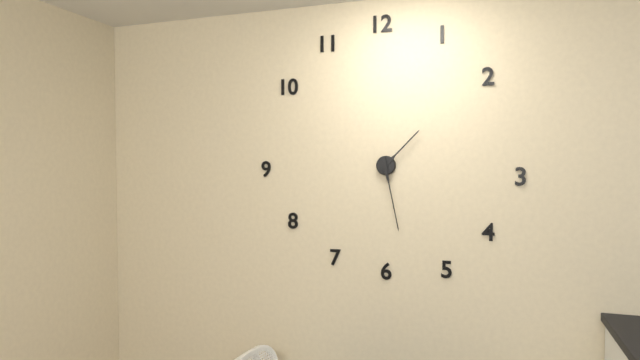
1:28
